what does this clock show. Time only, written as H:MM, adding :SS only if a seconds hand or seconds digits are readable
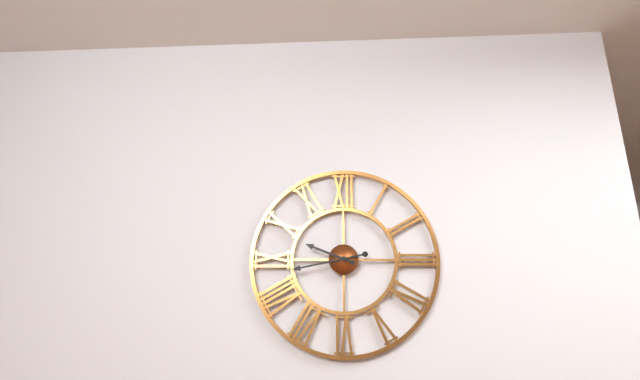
9:43
